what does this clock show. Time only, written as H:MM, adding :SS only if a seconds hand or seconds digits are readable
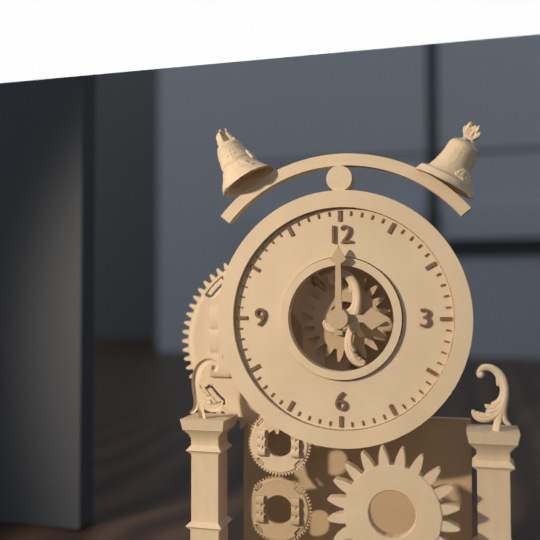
3:00
